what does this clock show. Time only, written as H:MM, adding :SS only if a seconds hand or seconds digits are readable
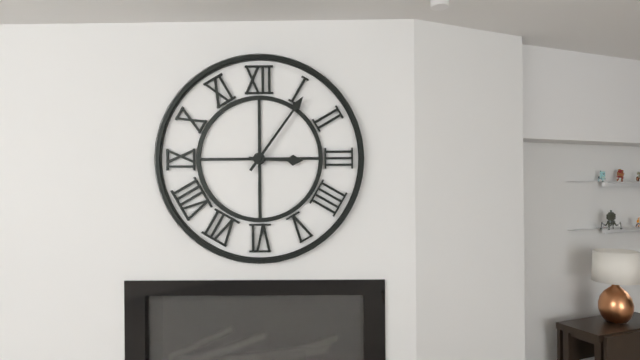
3:06
